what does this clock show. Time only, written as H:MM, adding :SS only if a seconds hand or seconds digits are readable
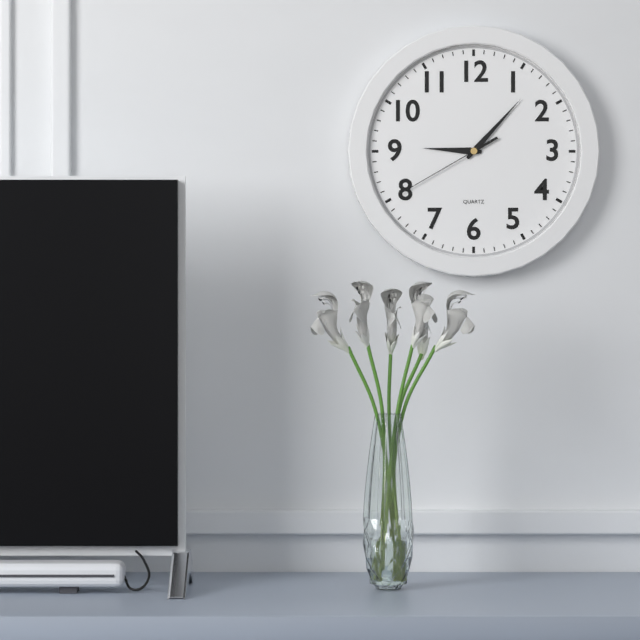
9:07:40
